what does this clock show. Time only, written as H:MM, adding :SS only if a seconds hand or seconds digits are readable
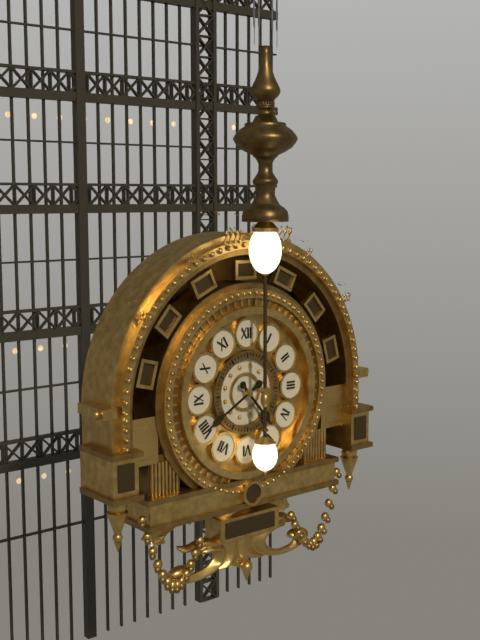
4:40
